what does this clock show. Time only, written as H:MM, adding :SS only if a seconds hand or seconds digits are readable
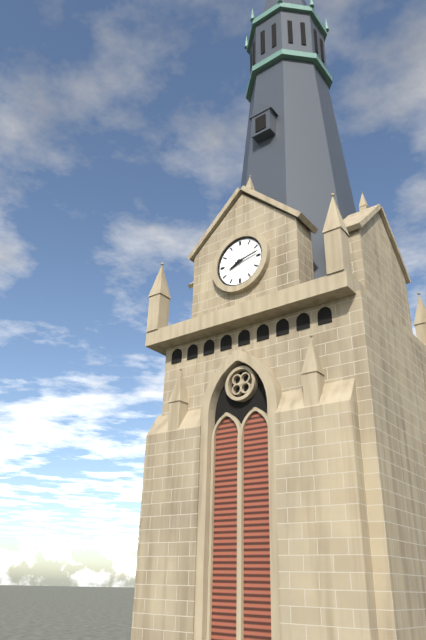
8:13
